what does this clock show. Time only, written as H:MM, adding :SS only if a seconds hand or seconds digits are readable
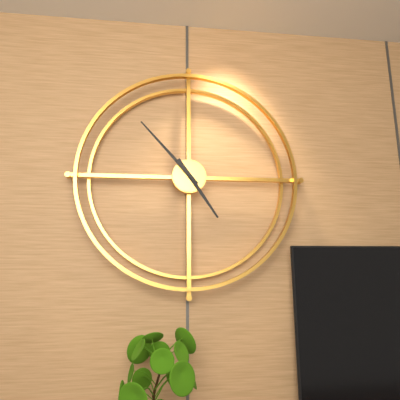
4:53
